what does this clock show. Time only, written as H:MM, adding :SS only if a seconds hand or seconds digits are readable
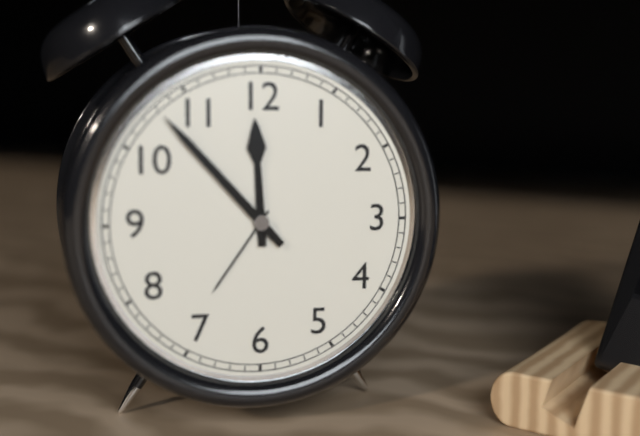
11:53
